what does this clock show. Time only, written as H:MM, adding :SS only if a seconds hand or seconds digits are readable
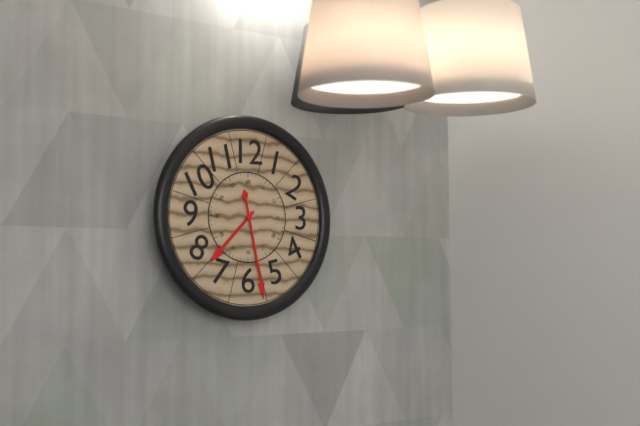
7:28
